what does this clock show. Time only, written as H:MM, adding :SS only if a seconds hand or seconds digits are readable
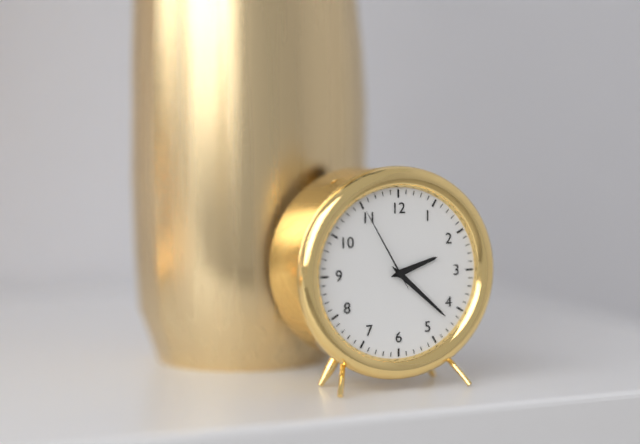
2:22:55
